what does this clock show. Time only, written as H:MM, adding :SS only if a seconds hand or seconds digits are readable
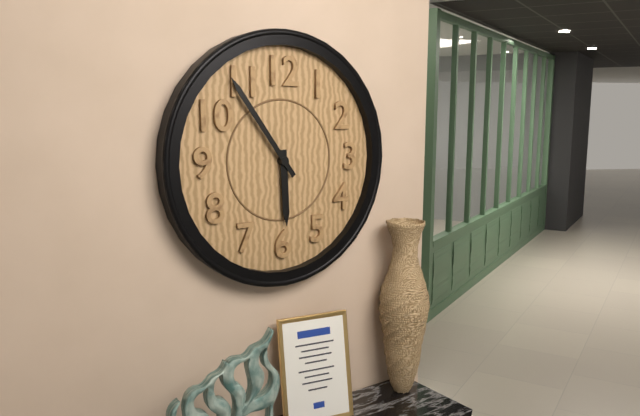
5:54
